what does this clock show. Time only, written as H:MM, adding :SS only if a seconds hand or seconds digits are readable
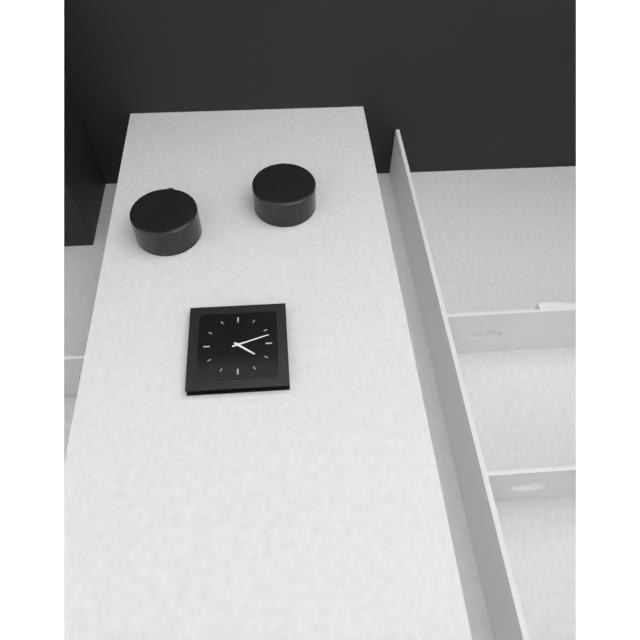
4:12
